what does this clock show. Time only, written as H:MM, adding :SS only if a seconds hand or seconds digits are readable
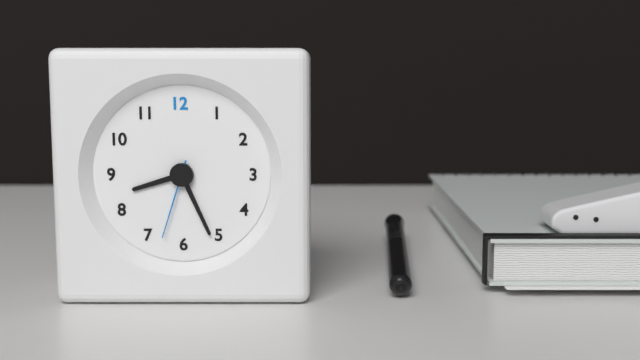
8:26:33
